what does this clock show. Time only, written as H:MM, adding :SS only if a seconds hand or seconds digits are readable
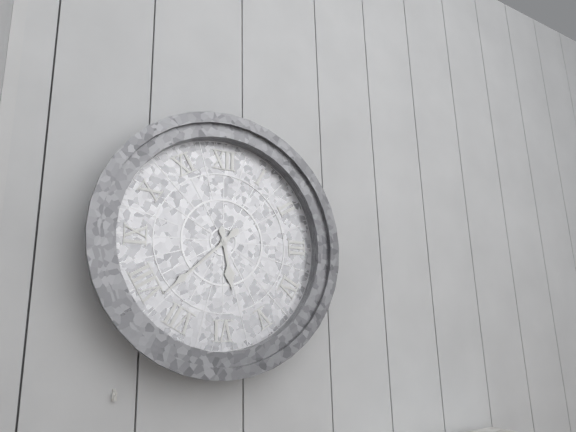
5:38
